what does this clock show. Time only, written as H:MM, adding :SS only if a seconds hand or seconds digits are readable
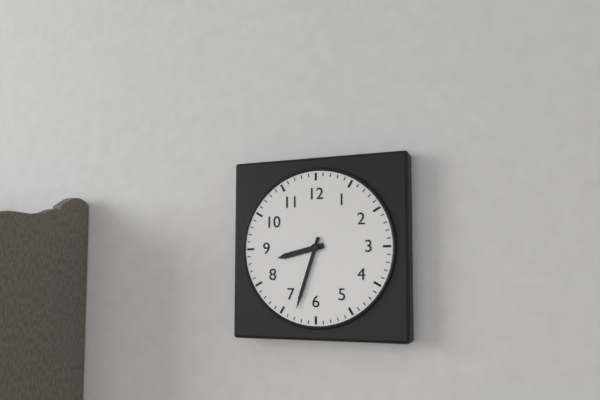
8:33
